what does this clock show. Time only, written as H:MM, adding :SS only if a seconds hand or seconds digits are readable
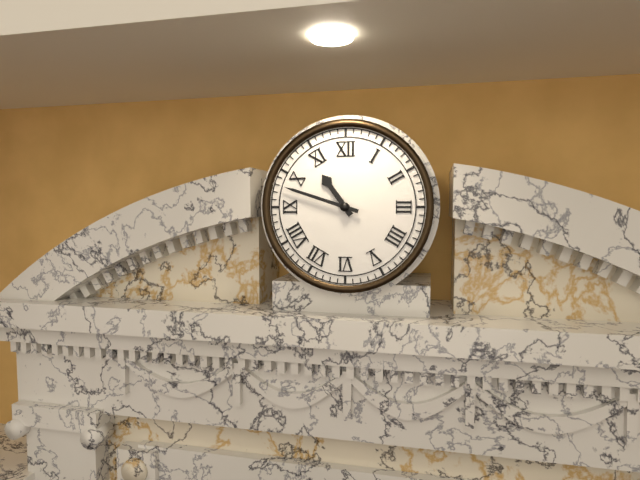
10:48
